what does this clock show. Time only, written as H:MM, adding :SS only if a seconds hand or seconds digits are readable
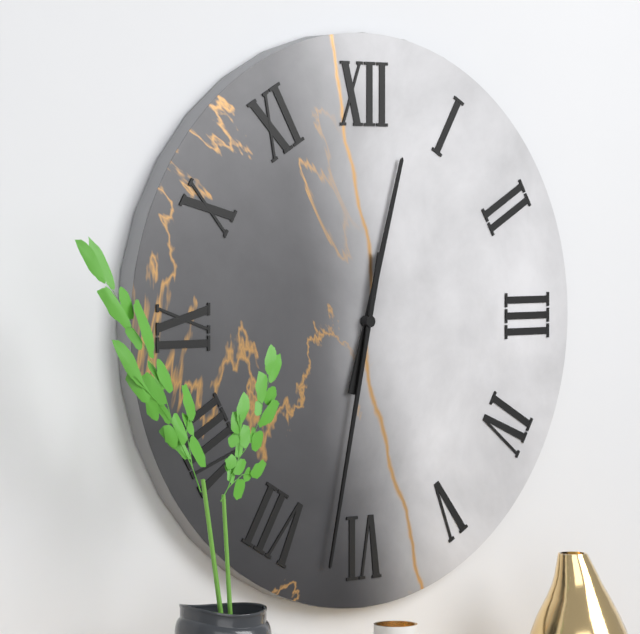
12:32
